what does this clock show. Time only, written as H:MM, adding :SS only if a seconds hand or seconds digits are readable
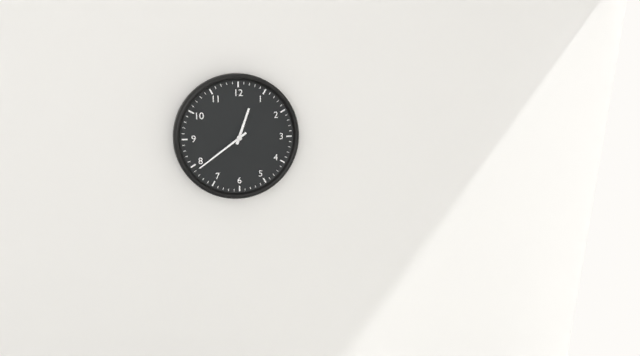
12:39
